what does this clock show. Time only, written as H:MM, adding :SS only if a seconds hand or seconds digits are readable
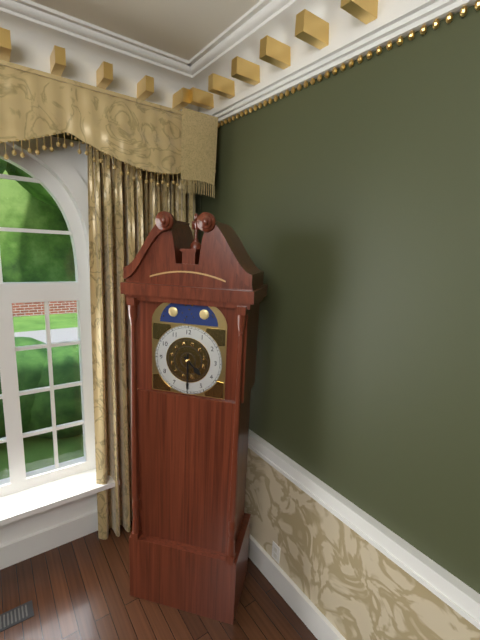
4:30
